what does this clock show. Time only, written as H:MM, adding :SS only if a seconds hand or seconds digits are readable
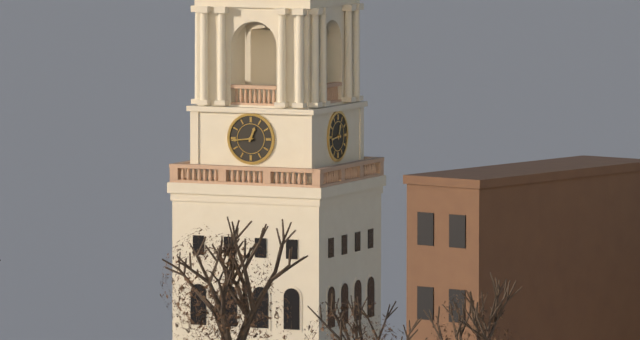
12:44
